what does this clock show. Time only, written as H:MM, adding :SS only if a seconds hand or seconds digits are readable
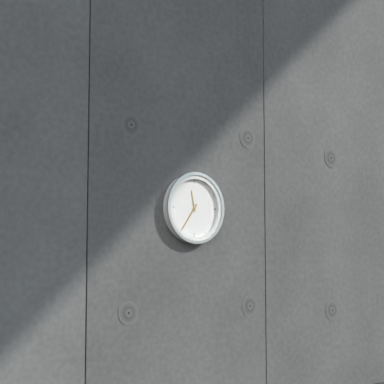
11:36
